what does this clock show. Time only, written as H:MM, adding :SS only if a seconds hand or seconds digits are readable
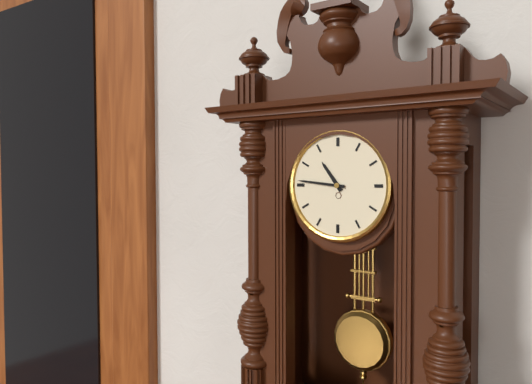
10:46
